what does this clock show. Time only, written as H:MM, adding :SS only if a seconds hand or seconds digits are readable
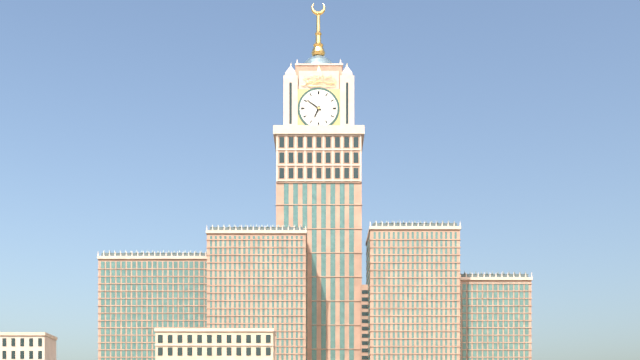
6:51
